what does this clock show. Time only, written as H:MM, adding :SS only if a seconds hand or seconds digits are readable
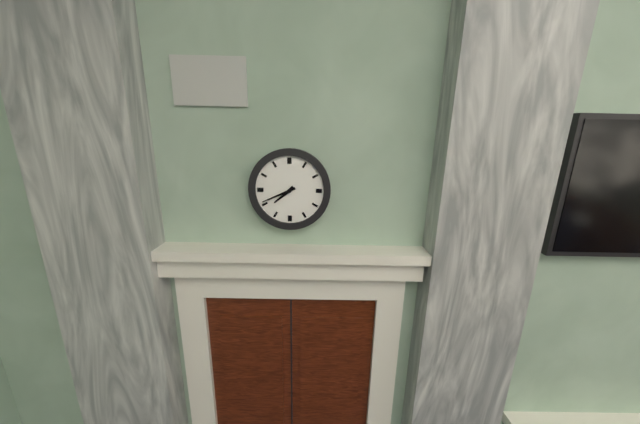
7:41
